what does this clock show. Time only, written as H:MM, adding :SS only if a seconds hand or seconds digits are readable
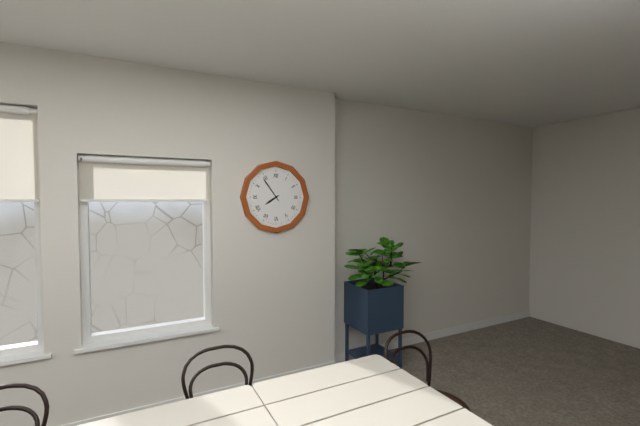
7:54
